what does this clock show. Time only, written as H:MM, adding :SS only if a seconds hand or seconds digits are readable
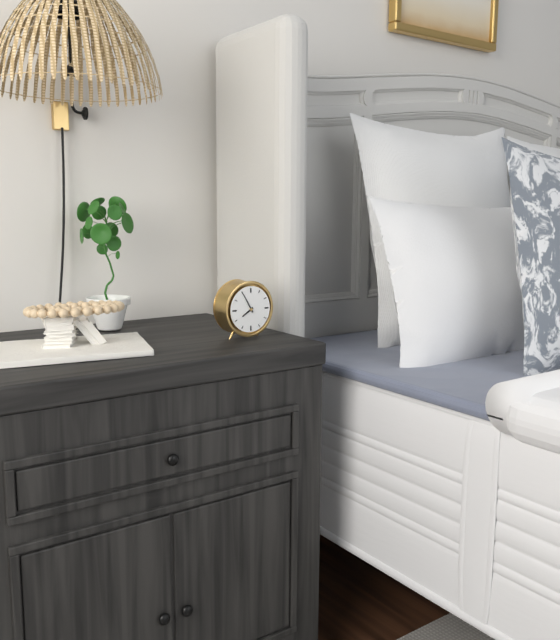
7:55
